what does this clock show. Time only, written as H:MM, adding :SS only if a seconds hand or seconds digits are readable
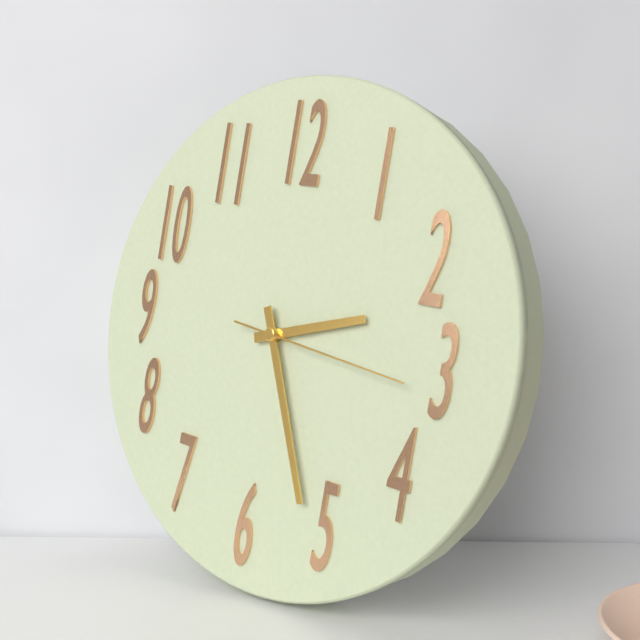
2:26:16
